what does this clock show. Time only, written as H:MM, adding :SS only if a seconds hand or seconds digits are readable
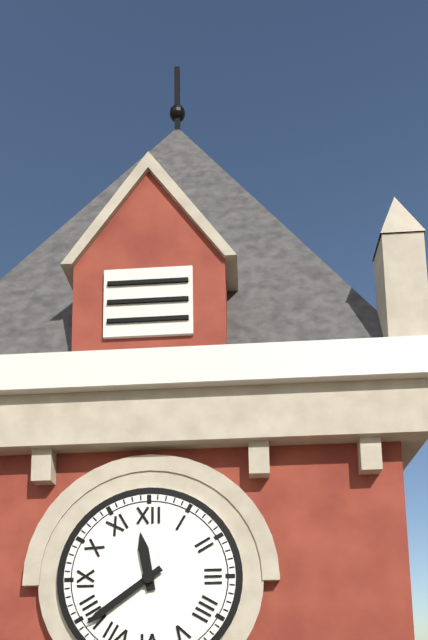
11:39
